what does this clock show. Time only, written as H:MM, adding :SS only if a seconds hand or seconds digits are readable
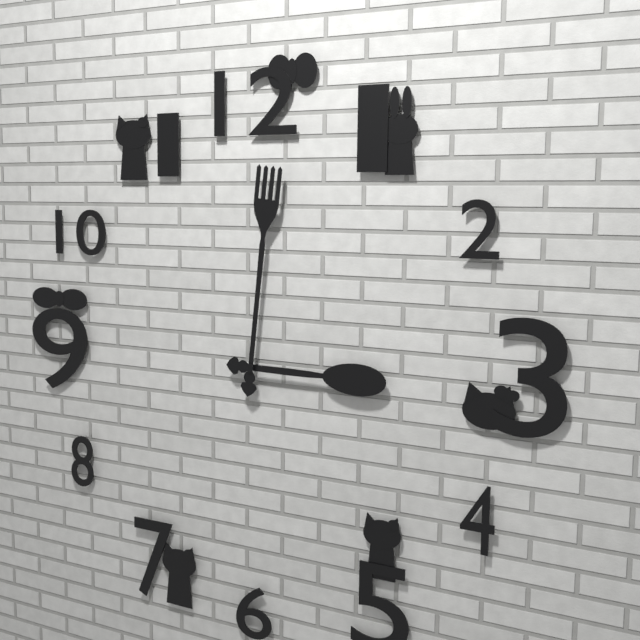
3:01
